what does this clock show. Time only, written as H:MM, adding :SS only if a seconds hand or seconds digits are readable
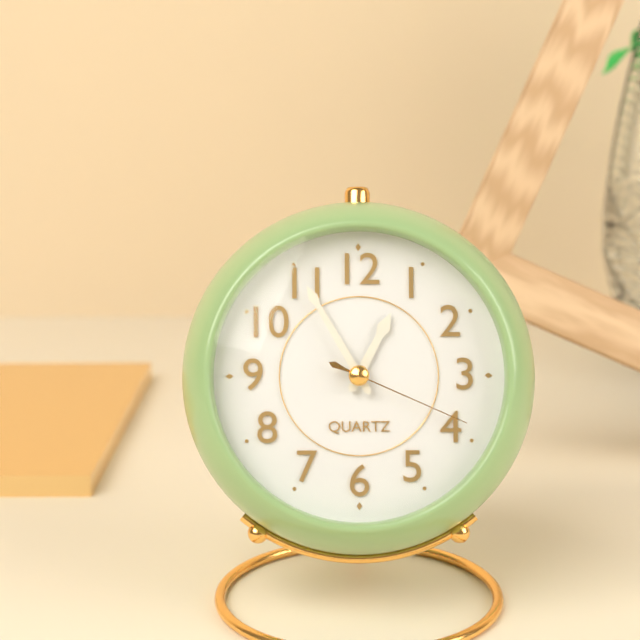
12:55:19
